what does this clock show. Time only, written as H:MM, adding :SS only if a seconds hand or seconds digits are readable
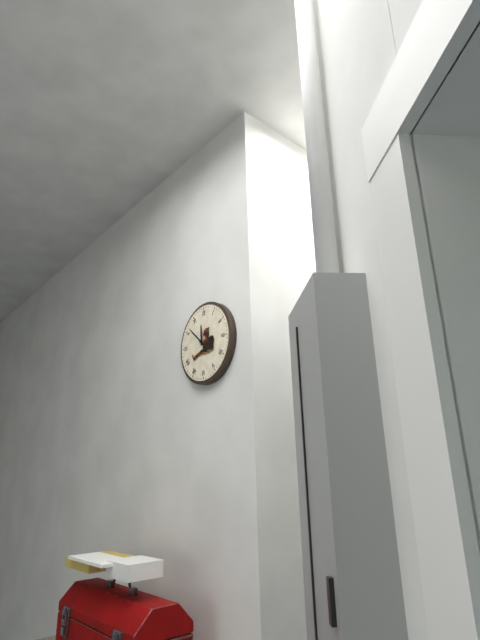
11:52
